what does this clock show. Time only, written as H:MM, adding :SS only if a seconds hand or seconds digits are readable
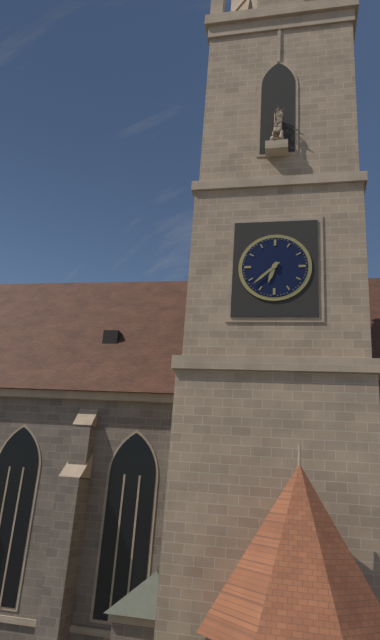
6:38
